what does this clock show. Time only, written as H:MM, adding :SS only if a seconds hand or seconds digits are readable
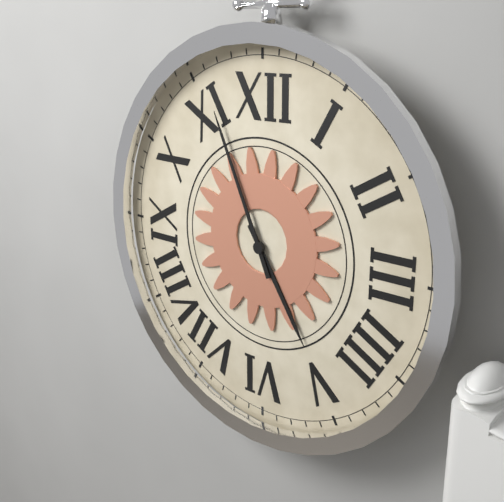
4:56
